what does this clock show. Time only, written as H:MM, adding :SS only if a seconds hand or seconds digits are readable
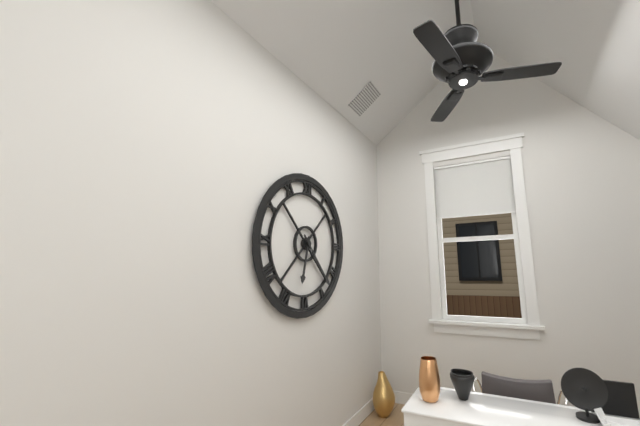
6:23
